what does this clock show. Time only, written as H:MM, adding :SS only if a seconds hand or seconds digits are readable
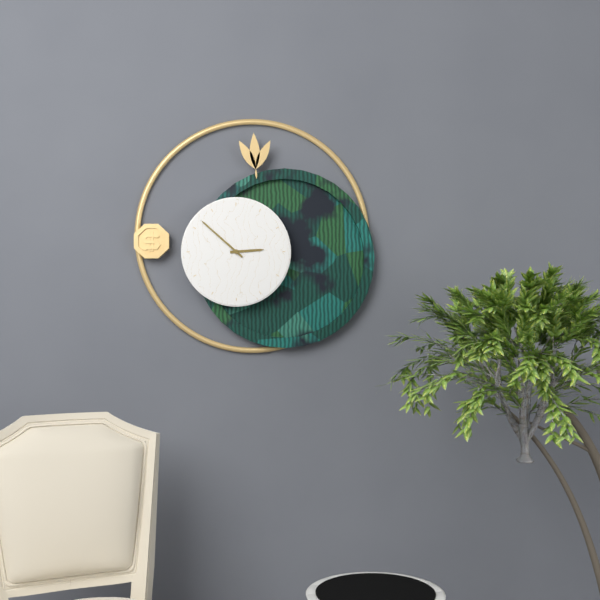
2:52
